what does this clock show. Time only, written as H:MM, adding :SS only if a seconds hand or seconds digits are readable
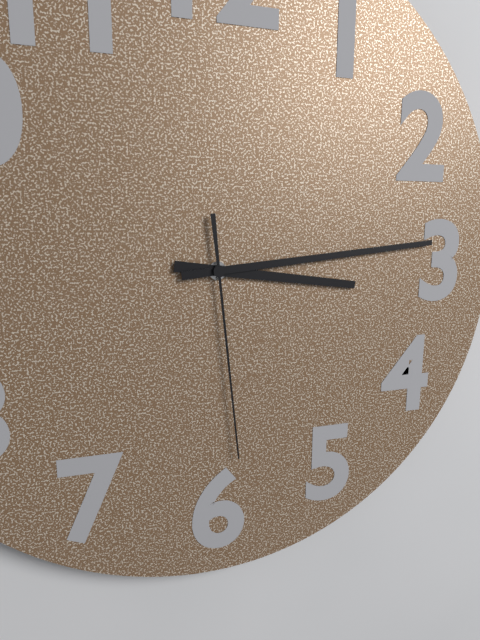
3:14:29
